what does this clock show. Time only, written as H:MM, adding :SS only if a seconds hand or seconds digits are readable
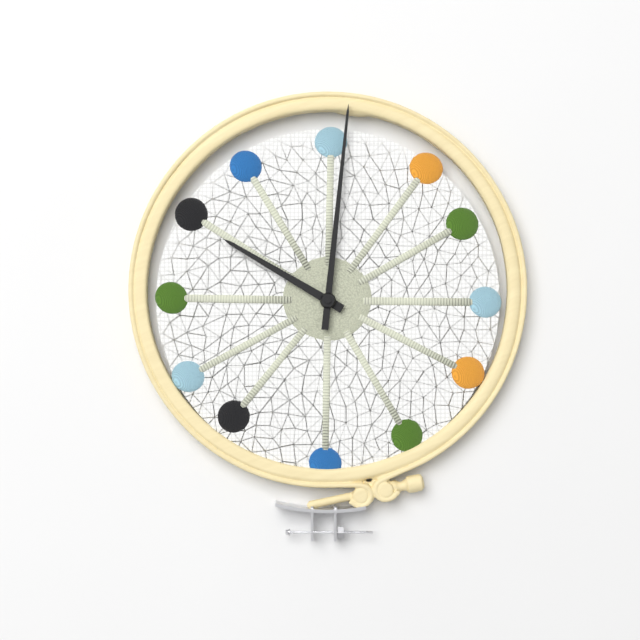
10:01
